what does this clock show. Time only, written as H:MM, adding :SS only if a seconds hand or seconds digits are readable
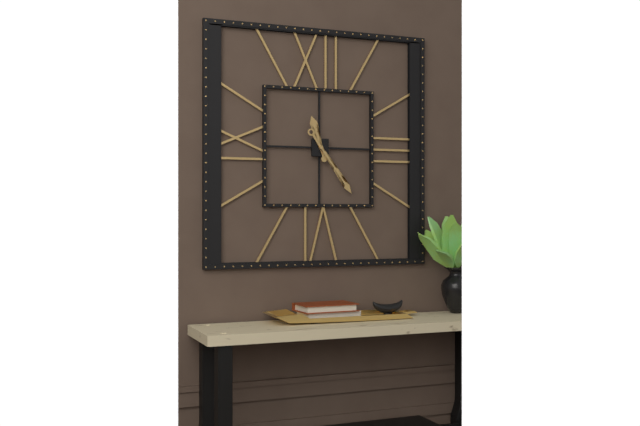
11:24
